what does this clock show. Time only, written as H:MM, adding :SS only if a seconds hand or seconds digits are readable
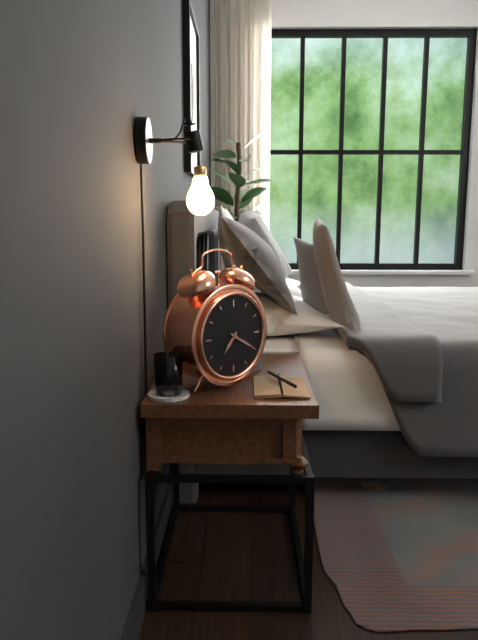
7:20
